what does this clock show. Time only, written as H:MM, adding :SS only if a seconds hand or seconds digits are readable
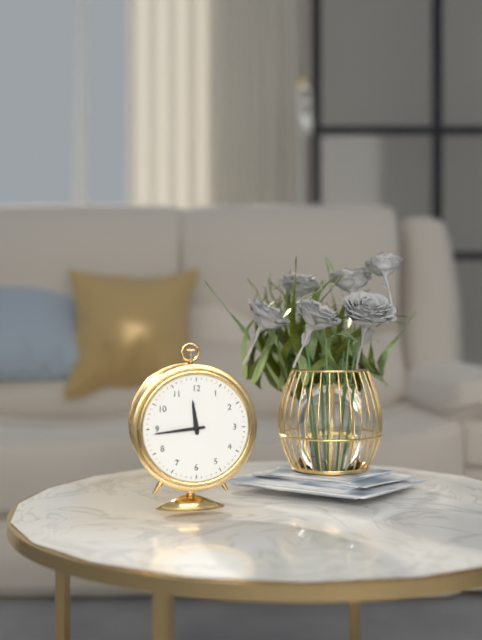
11:44
